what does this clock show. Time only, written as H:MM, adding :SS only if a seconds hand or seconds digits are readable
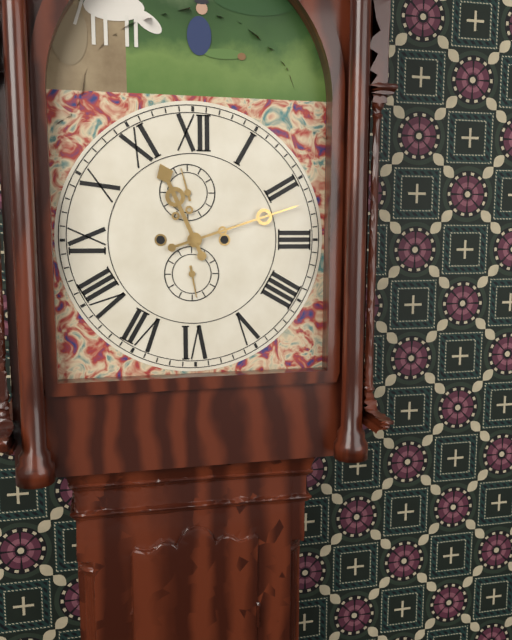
11:12
